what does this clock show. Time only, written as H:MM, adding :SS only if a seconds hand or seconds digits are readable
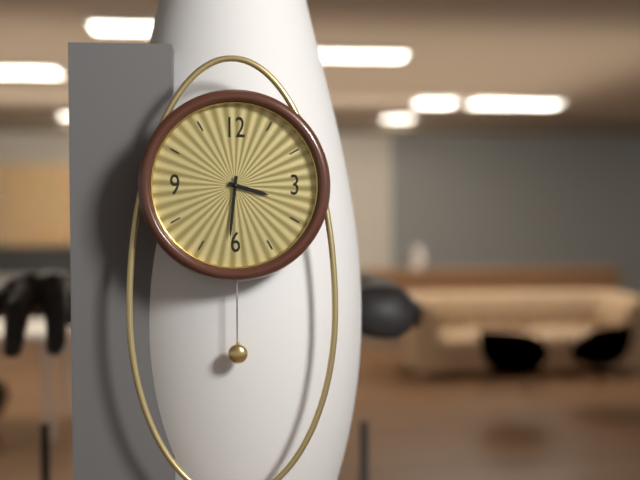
3:31
